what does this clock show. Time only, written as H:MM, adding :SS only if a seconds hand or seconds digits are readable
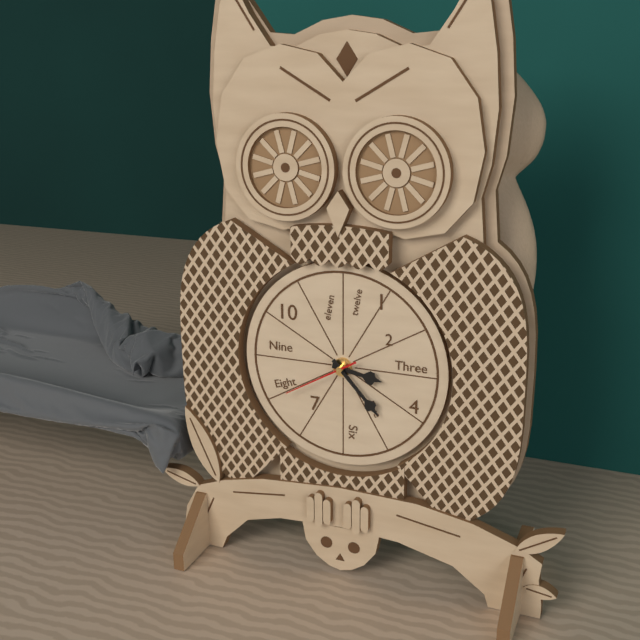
3:23:40
